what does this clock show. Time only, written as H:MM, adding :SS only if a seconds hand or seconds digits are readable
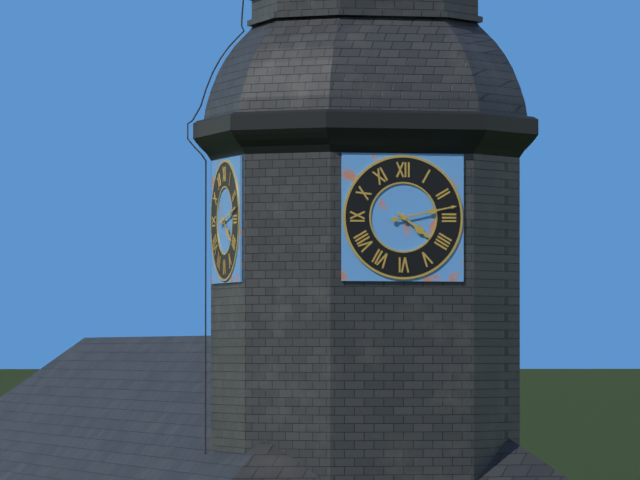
4:13
